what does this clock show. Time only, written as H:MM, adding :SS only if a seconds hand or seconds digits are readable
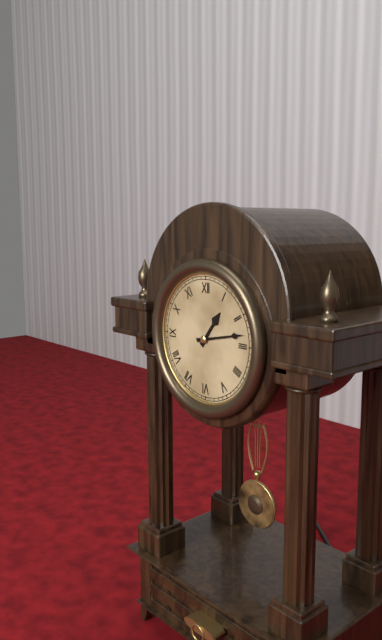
1:13
